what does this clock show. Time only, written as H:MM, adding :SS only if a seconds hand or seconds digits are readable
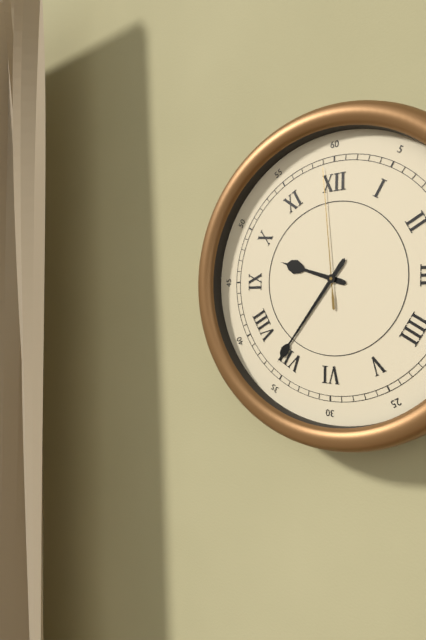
9:36:59
